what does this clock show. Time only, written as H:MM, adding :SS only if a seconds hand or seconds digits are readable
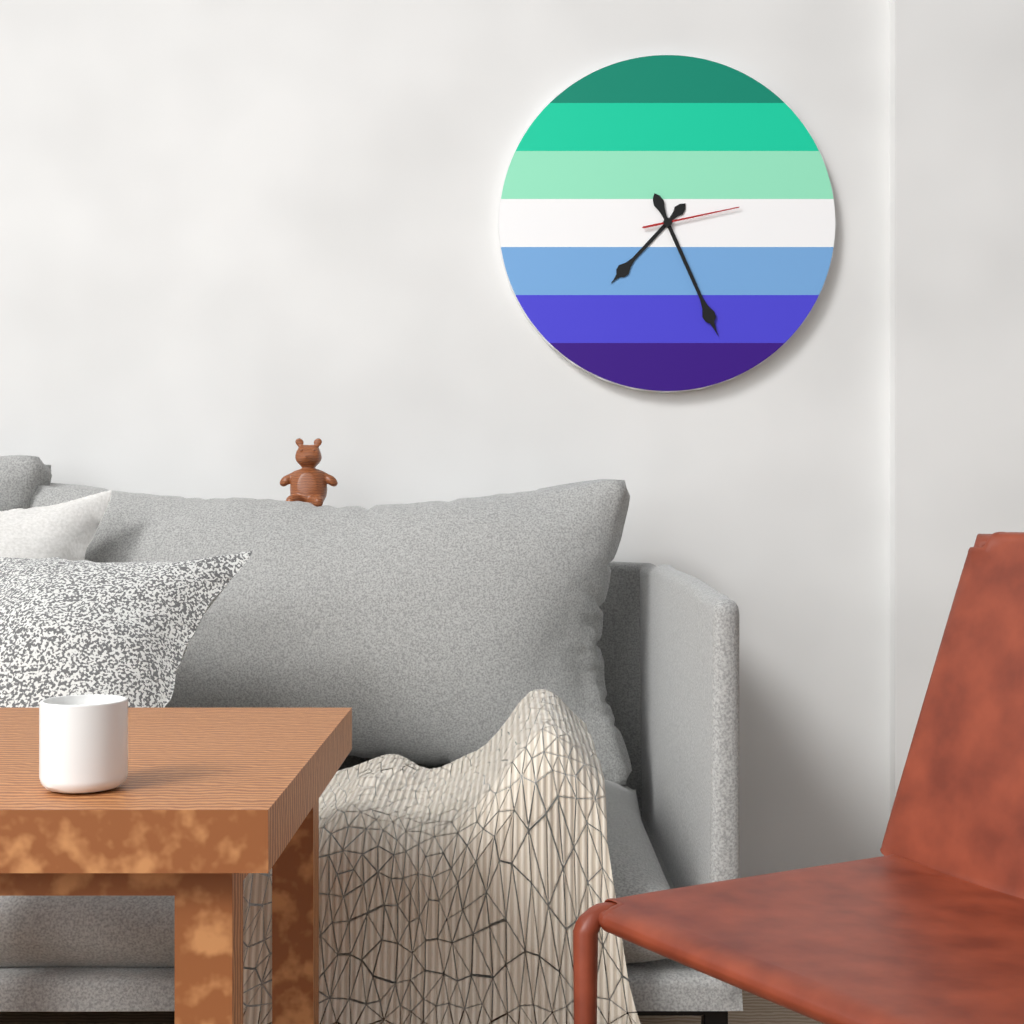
7:26:13
